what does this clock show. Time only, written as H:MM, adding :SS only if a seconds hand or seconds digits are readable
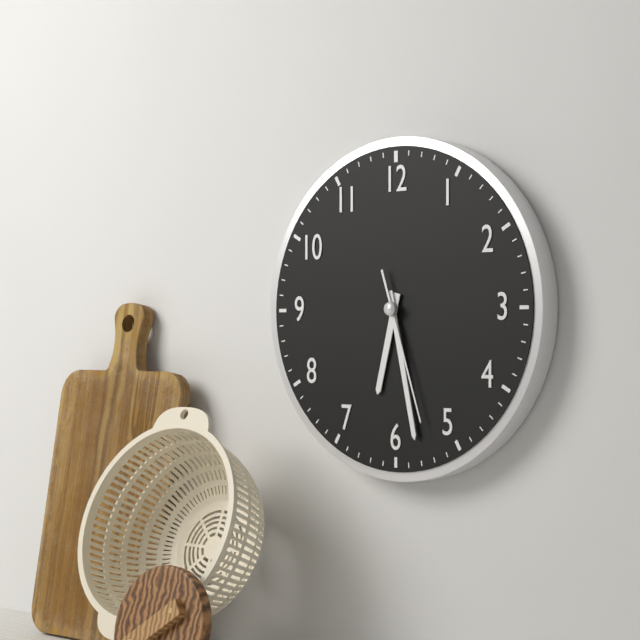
6:28:27
